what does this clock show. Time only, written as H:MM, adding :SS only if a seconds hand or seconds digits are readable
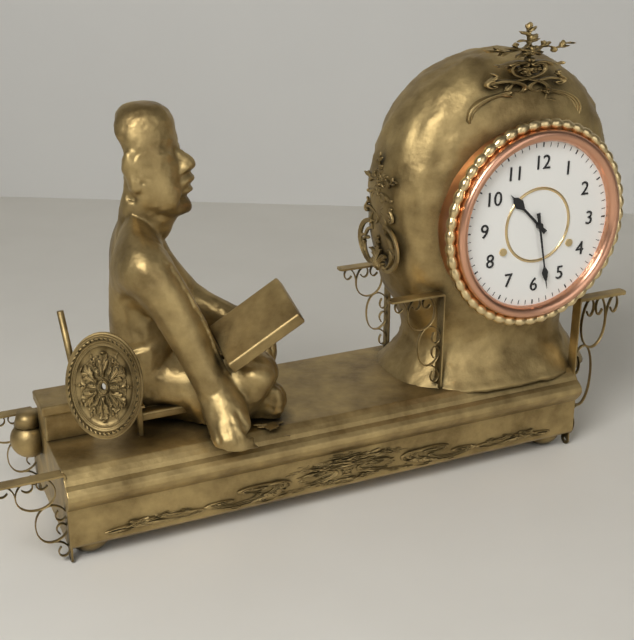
10:28
